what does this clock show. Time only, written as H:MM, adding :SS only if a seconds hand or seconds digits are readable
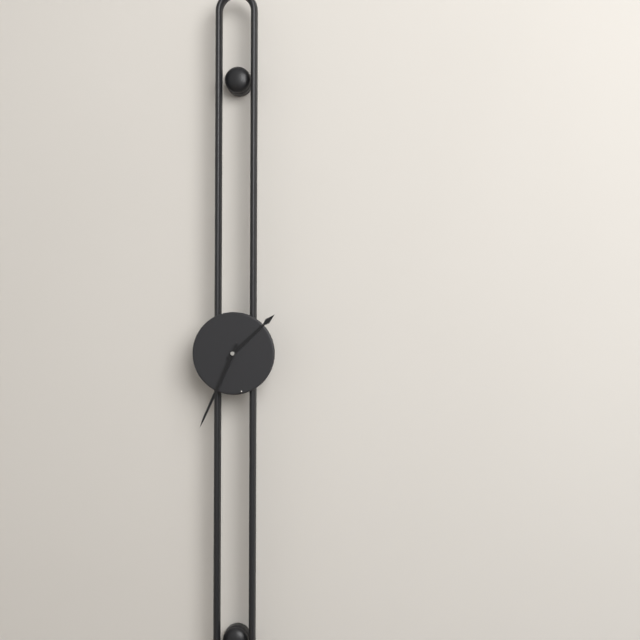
1:34
